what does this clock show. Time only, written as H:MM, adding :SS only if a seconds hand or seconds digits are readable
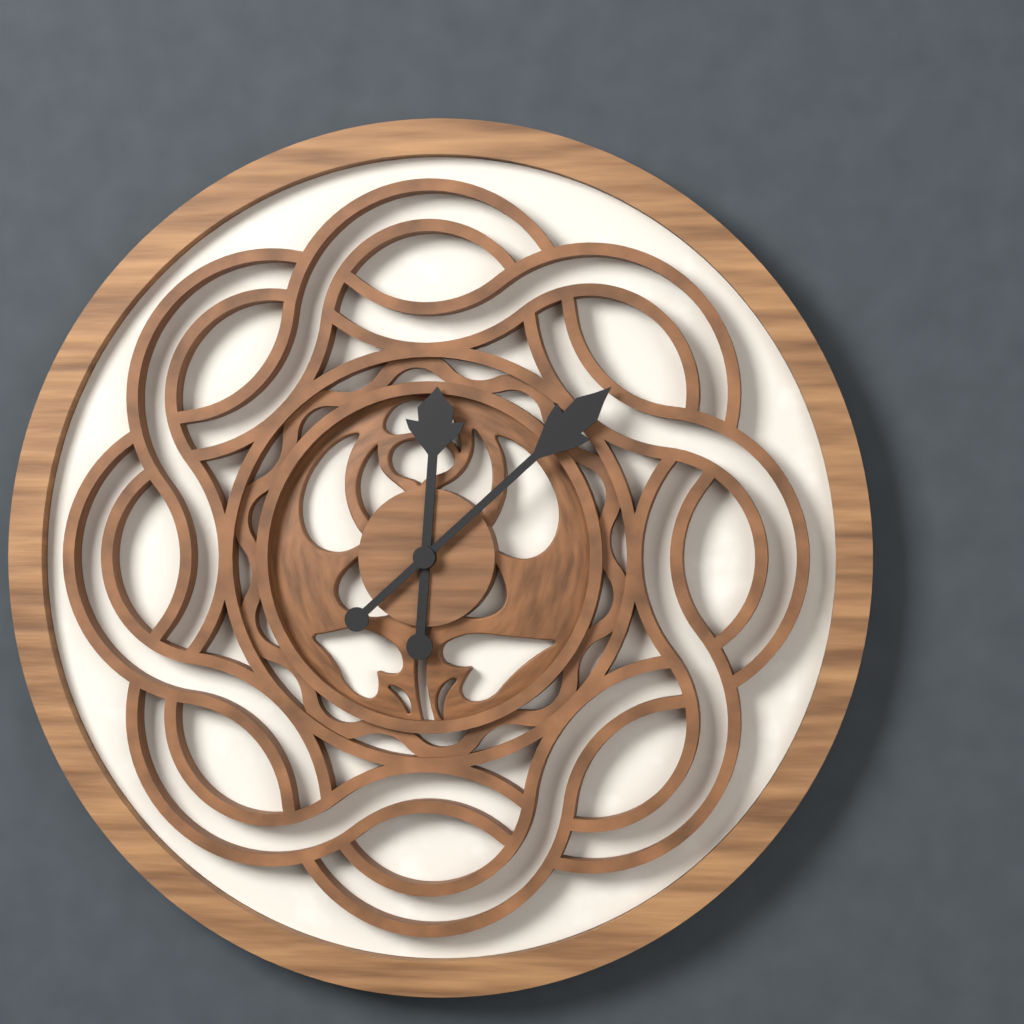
12:08
